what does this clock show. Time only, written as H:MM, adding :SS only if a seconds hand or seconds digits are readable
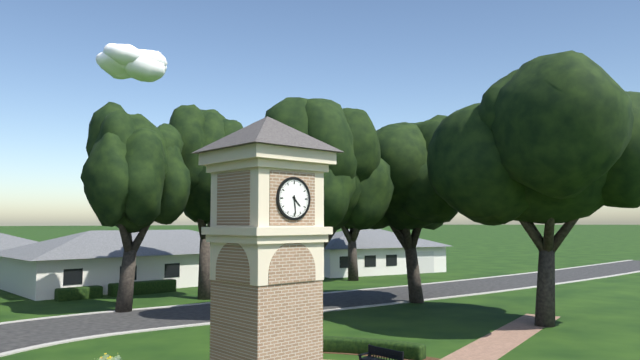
4:29
